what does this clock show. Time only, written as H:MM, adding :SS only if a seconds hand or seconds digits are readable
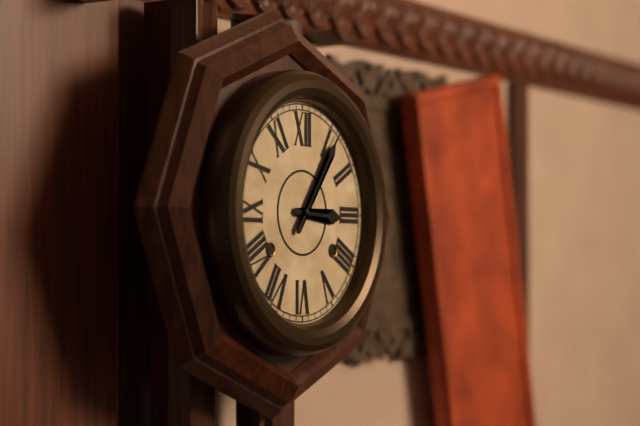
3:06
